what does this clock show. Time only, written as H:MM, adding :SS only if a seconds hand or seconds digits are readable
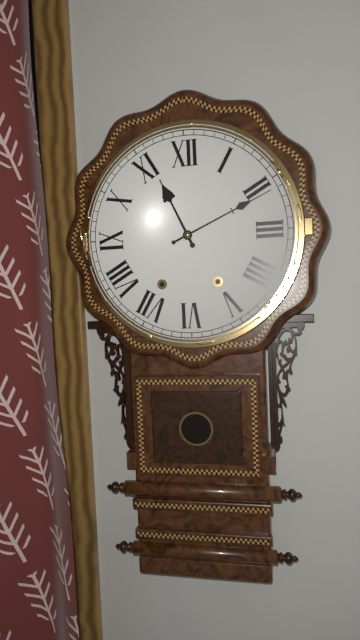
11:11
